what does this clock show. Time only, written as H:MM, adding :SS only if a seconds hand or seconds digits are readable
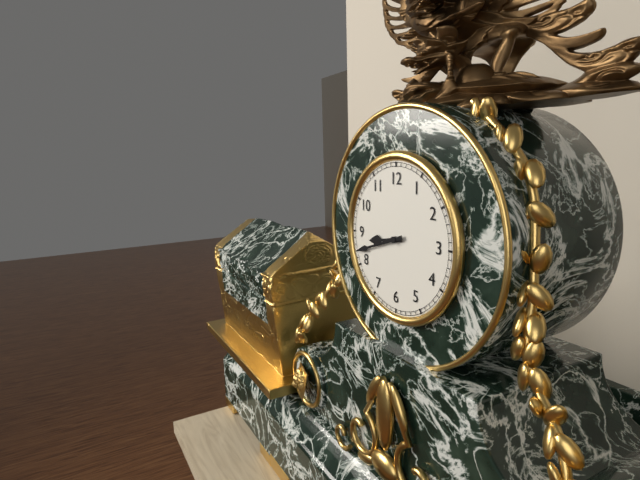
8:42
